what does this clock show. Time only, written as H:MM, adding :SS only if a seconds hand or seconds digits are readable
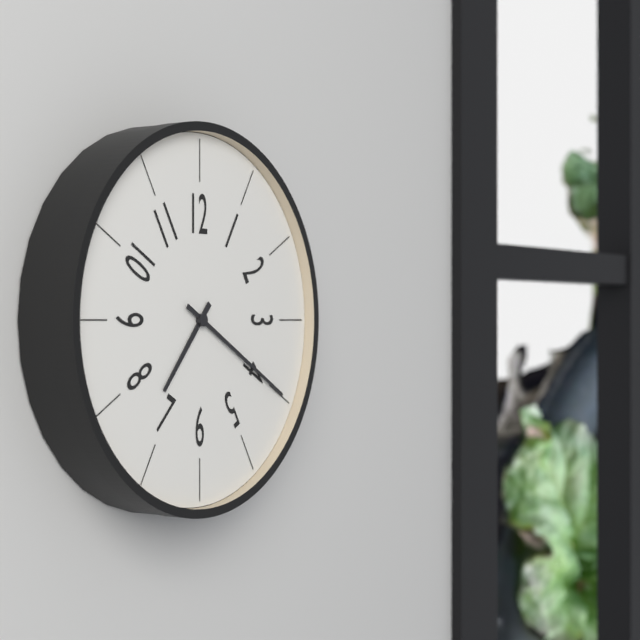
7:20
